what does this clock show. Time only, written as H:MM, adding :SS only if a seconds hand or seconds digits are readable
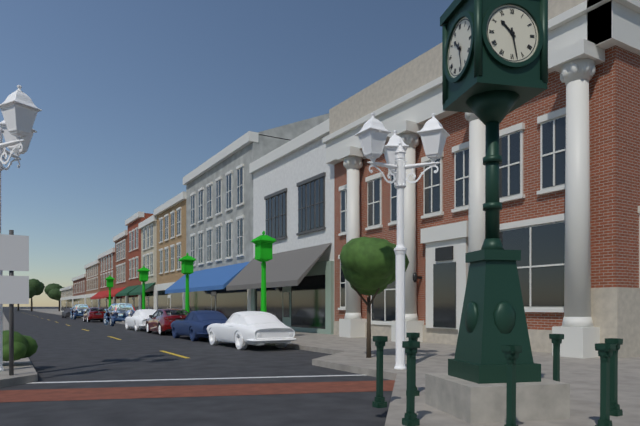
10:28
